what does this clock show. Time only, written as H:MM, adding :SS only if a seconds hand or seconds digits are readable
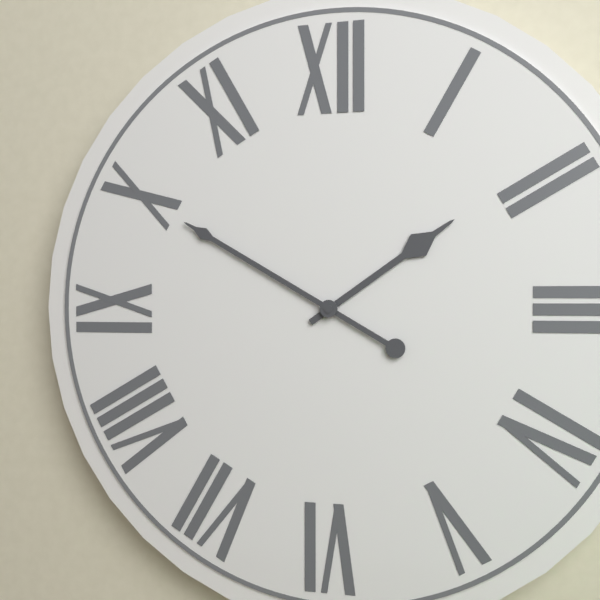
1:50
